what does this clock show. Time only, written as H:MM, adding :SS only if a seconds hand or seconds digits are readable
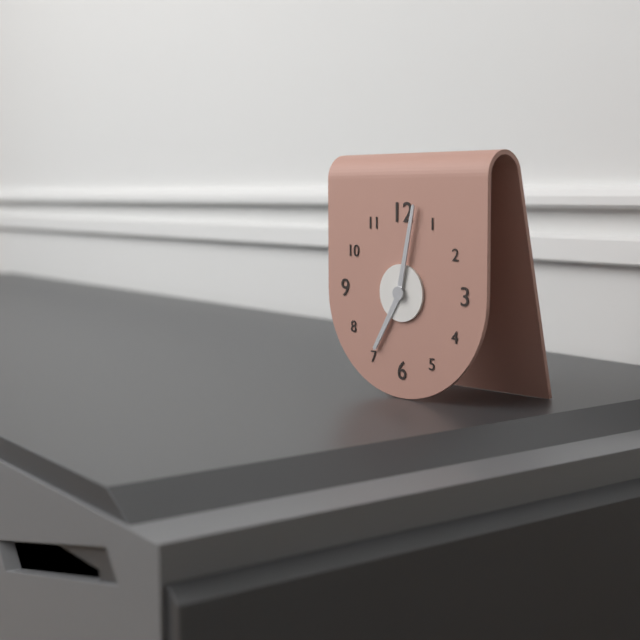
7:02
